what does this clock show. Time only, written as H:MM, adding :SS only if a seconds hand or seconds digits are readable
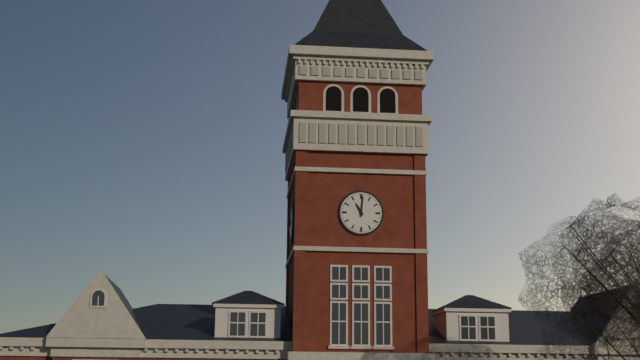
11:01
